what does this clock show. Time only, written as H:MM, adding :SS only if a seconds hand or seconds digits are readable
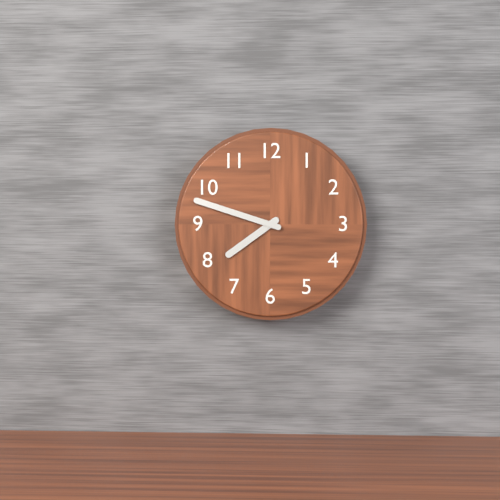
7:48
